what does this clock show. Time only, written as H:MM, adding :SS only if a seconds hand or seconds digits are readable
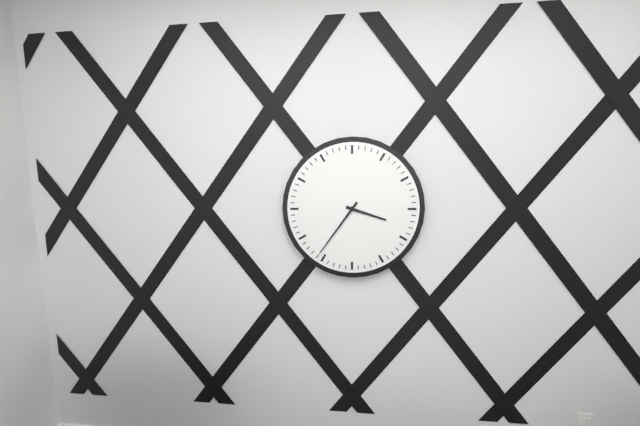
3:36
